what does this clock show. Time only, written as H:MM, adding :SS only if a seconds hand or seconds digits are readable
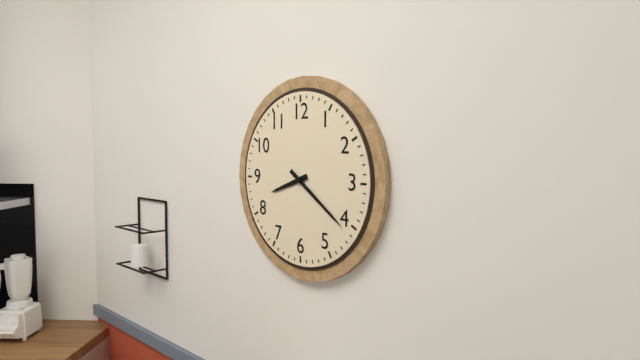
8:21
